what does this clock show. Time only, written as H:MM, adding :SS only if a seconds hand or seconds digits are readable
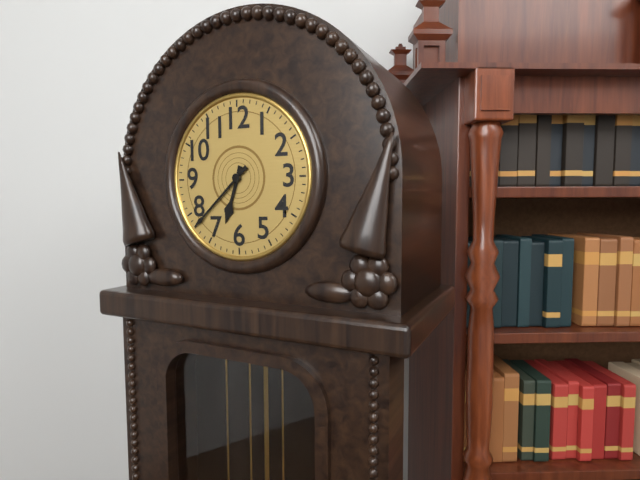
6:38
